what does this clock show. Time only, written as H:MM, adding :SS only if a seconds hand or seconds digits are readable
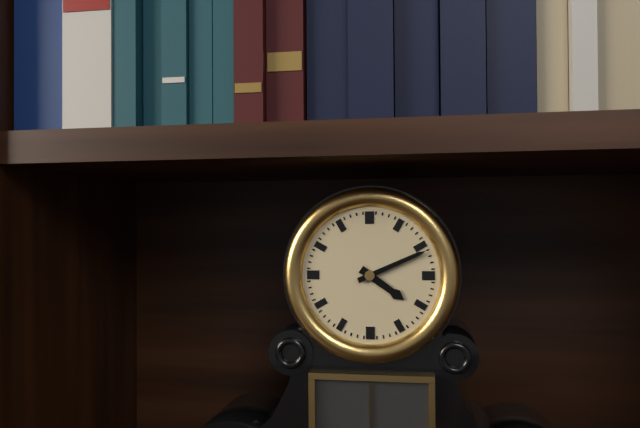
4:11
